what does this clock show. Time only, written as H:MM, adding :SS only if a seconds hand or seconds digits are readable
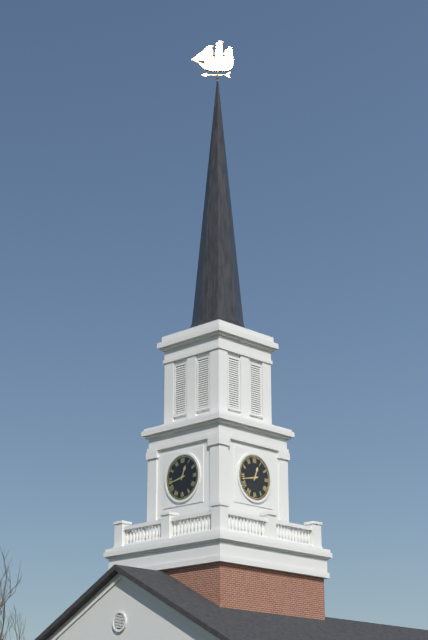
12:43
